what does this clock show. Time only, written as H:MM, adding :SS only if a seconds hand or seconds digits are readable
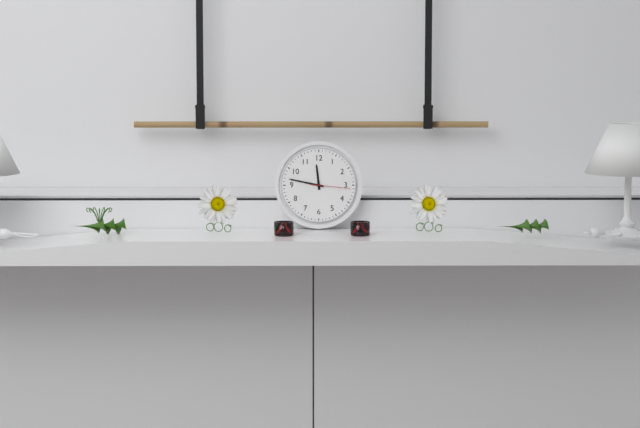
11:47
